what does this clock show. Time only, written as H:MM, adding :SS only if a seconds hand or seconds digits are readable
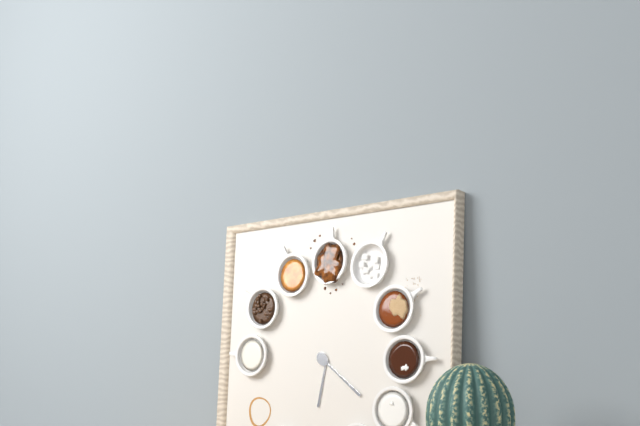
6:21
